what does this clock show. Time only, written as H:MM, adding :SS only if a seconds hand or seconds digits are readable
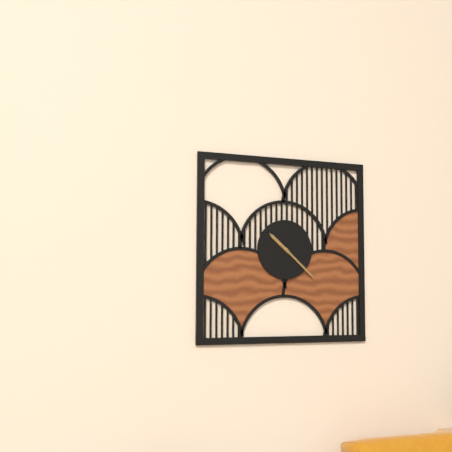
10:22
